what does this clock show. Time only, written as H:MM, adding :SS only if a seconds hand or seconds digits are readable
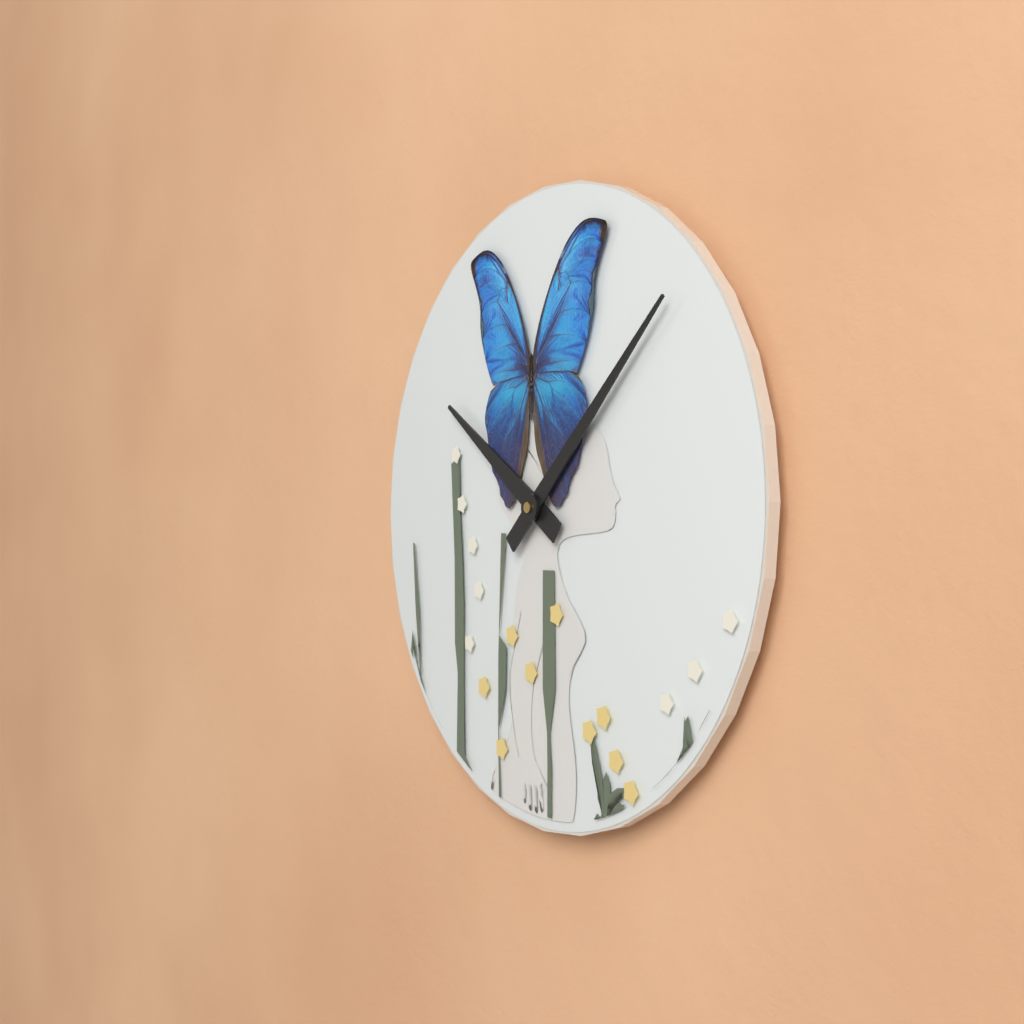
10:08
